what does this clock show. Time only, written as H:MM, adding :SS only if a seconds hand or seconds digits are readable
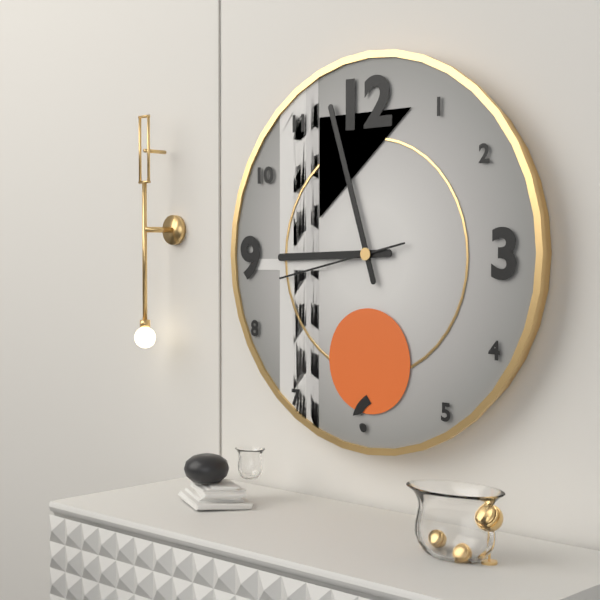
8:57:43
